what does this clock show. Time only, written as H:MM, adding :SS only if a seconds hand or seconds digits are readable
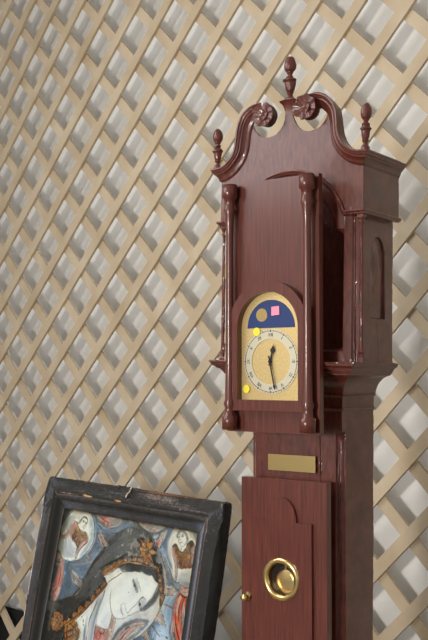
12:28
